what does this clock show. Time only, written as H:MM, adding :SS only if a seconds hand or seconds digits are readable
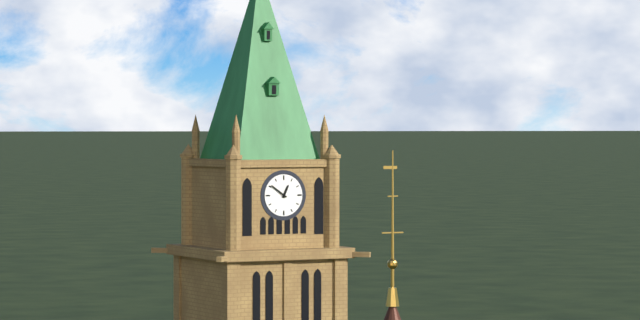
12:51
